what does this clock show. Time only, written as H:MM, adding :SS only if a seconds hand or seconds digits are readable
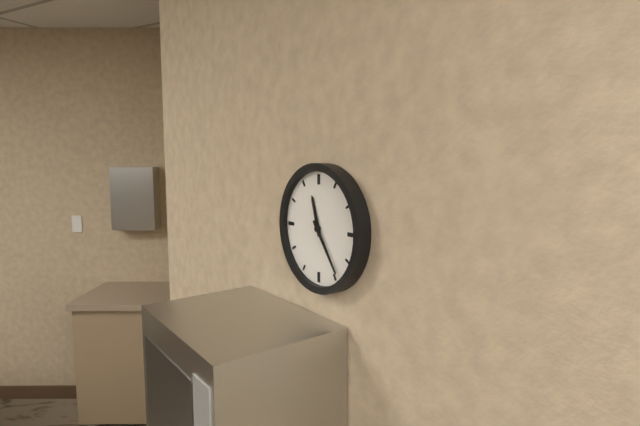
11:24
